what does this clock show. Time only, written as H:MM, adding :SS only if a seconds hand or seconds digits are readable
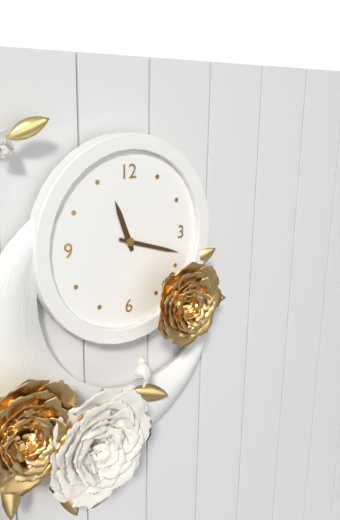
11:18
